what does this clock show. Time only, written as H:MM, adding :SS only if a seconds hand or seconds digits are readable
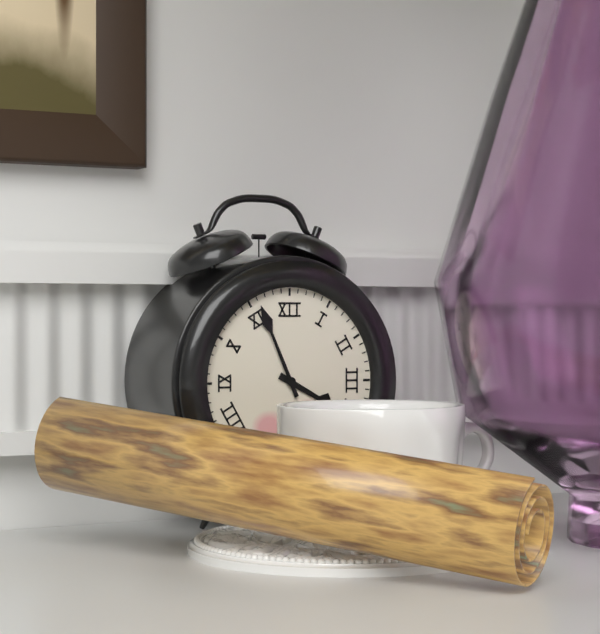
3:56
